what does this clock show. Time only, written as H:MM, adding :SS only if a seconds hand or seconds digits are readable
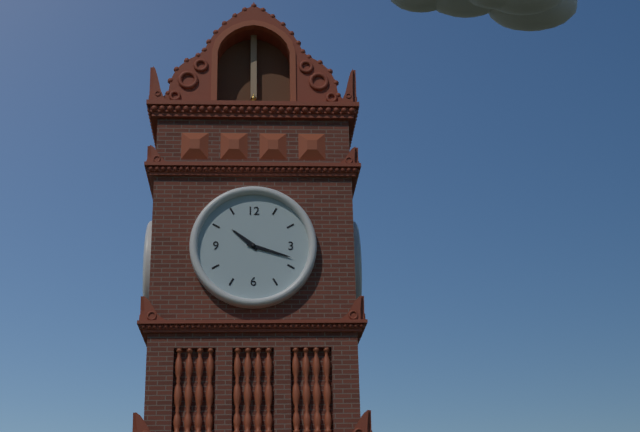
10:18
